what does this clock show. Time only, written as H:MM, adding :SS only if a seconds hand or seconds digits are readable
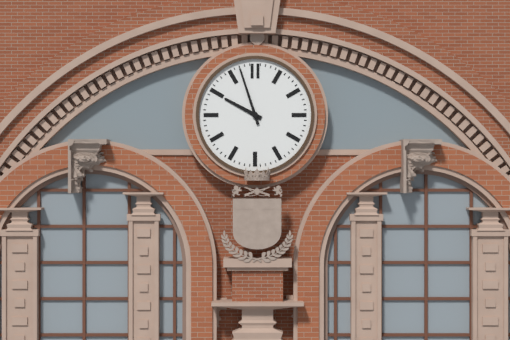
9:57
